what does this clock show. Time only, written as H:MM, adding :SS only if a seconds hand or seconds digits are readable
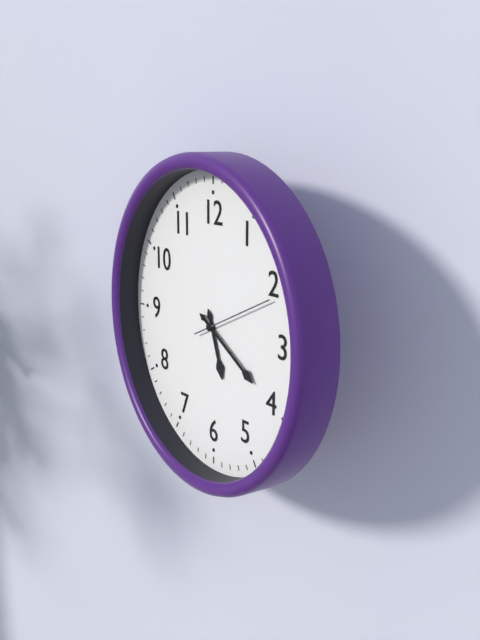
5:20:11
